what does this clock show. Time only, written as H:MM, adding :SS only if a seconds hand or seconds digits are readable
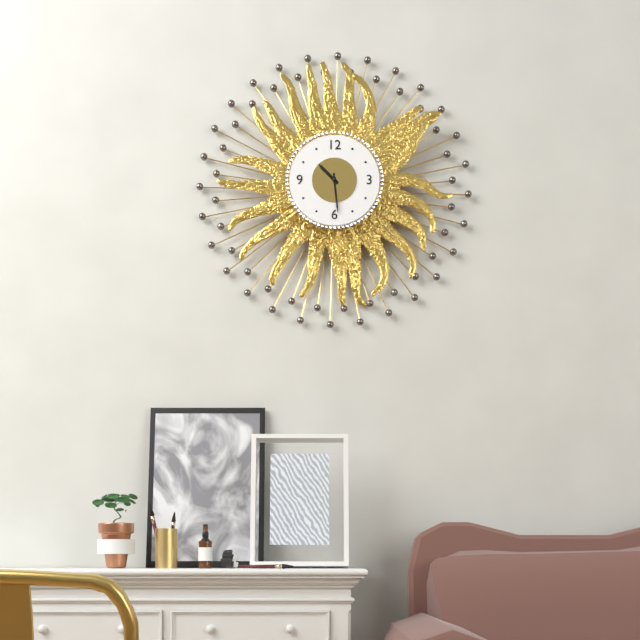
10:29
